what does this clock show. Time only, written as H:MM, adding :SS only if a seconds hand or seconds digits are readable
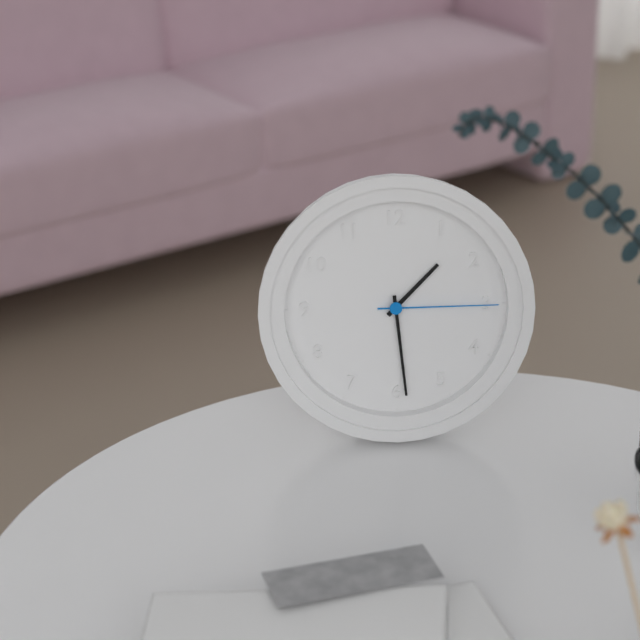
1:29:15
